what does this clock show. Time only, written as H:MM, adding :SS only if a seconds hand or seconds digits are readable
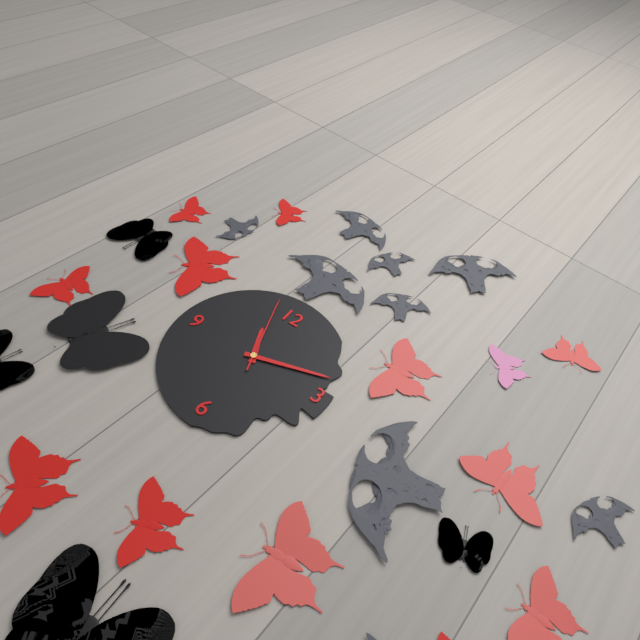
11:12:57
